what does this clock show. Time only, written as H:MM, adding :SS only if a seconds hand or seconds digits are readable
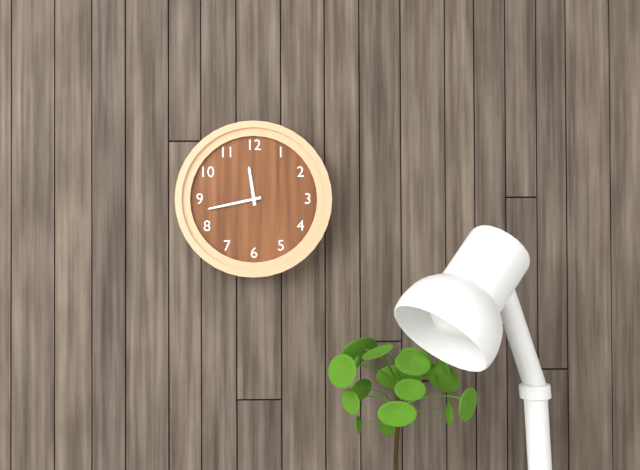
11:43
